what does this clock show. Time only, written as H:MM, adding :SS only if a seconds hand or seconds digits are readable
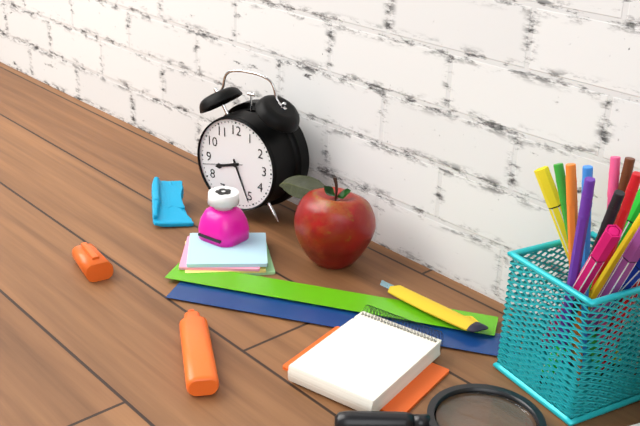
8:26
